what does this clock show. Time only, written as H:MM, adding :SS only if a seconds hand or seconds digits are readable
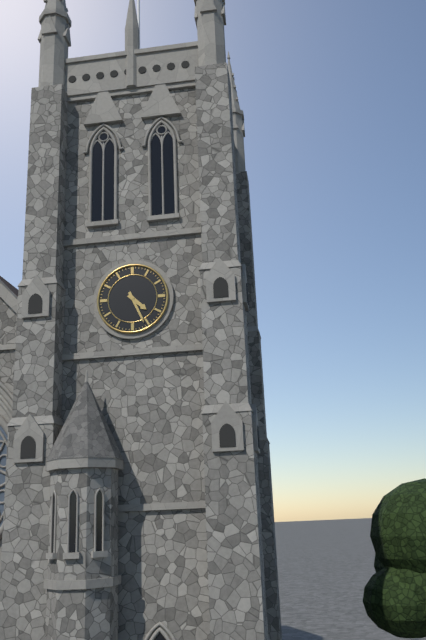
4:26
